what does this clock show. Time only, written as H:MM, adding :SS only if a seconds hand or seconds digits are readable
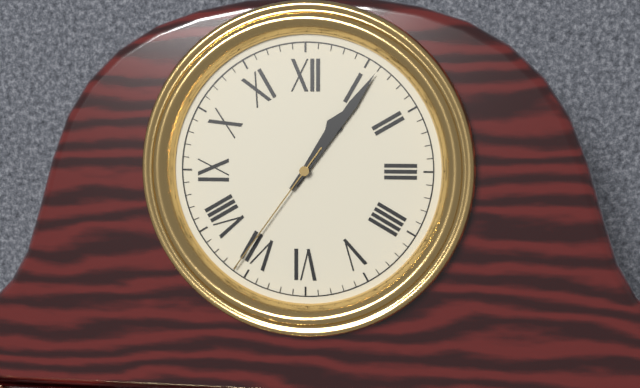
1:06:36
